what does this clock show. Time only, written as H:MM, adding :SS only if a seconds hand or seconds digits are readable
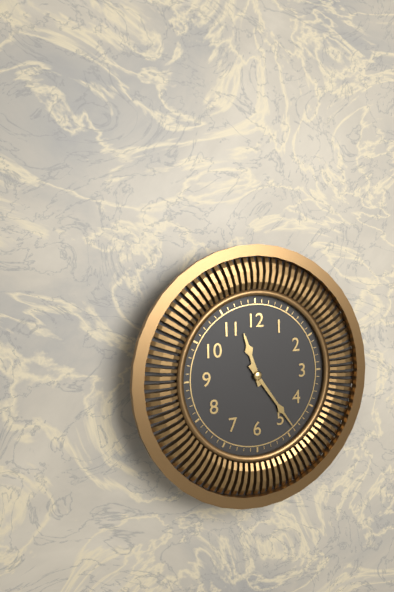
11:24
